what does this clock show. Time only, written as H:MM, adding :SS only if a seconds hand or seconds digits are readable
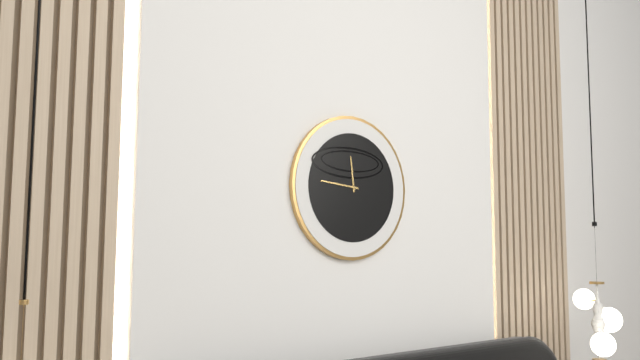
11:46
